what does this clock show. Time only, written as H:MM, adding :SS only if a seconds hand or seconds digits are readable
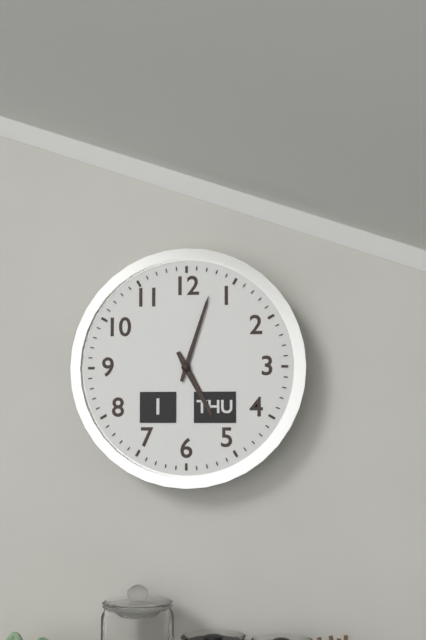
5:03
